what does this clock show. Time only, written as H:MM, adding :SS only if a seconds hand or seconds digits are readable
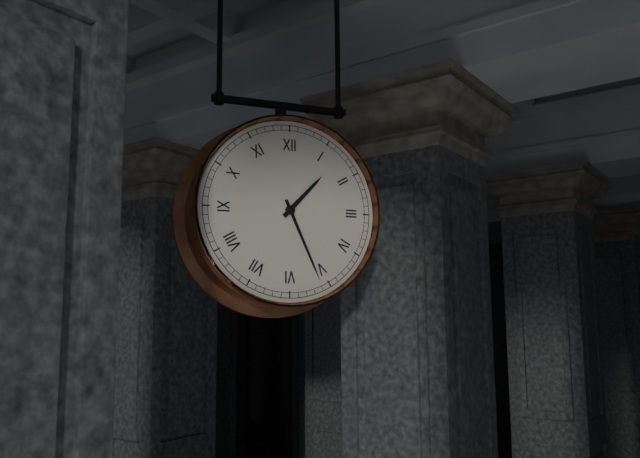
1:26
